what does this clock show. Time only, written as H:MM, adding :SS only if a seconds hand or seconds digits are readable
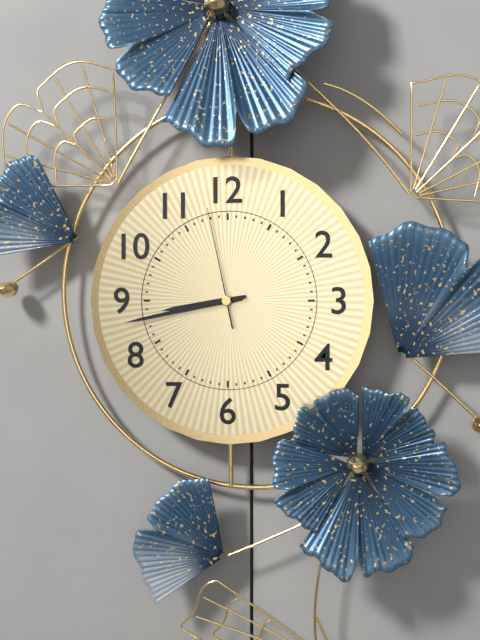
8:43:58
